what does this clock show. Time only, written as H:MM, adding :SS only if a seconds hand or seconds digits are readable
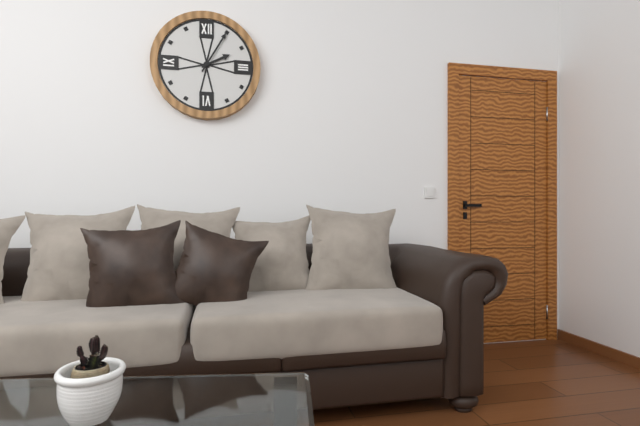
2:05
